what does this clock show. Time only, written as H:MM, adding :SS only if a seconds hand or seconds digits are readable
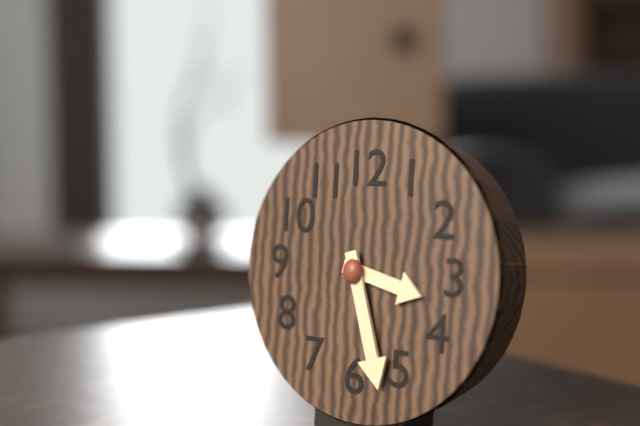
3:27
